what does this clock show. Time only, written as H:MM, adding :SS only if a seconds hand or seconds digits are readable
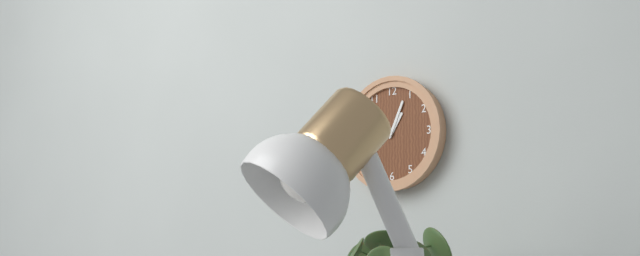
1:04
